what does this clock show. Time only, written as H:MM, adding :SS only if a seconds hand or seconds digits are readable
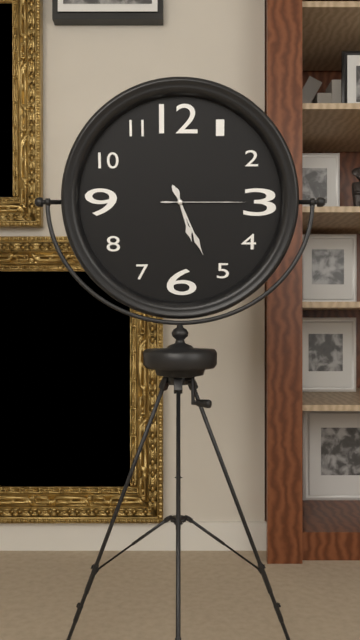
5:26:15
